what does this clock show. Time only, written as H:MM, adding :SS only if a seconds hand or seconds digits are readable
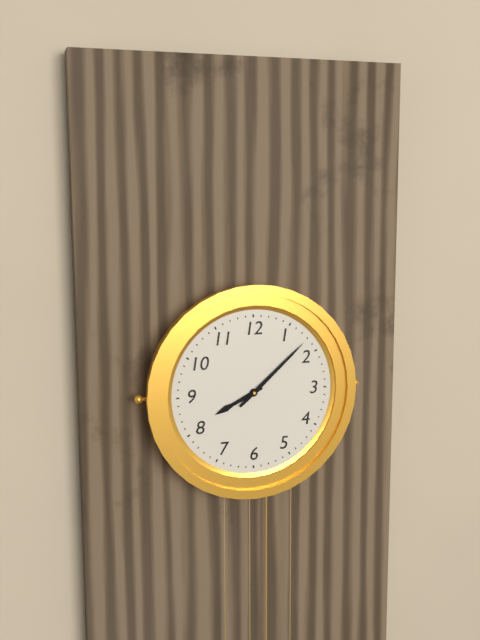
8:08
